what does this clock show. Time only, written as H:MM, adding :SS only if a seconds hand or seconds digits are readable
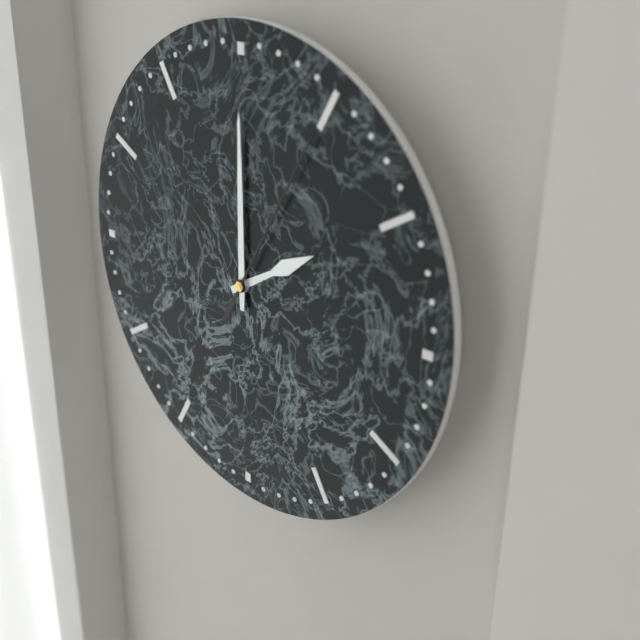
2:00:05
